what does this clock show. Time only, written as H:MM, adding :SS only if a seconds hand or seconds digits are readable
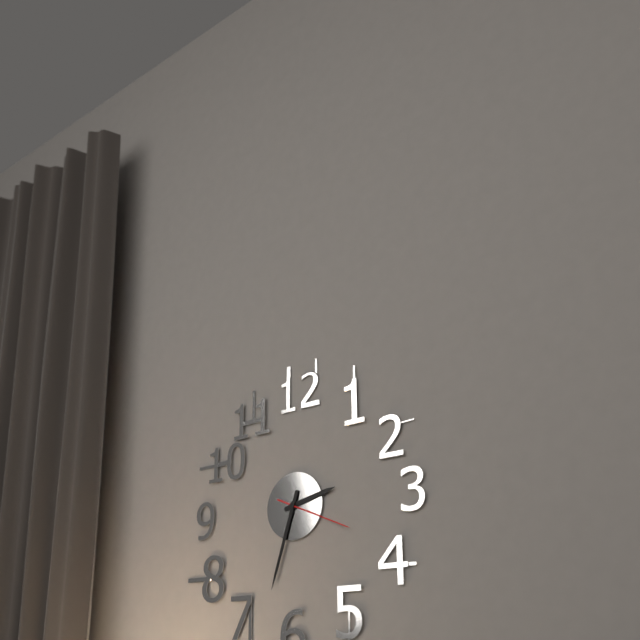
2:33:19
